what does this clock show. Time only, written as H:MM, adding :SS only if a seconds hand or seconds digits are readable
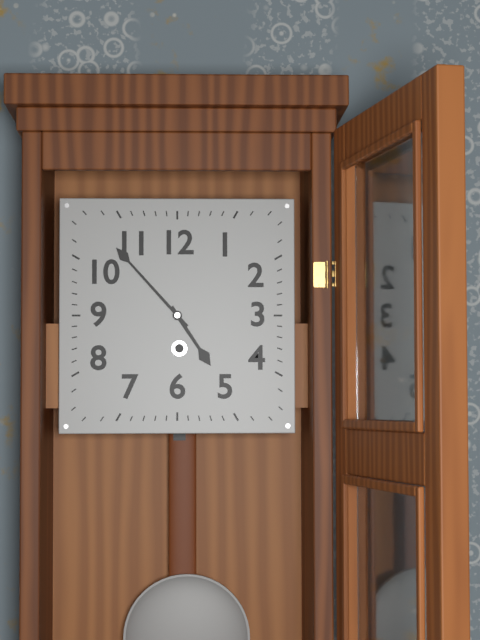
4:53
